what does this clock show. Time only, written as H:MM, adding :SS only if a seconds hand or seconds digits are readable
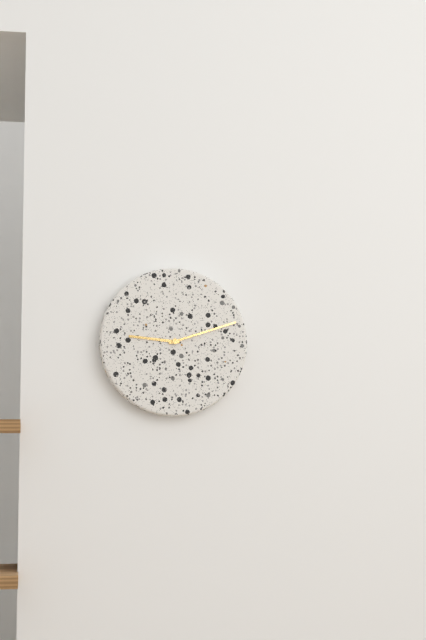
9:12
